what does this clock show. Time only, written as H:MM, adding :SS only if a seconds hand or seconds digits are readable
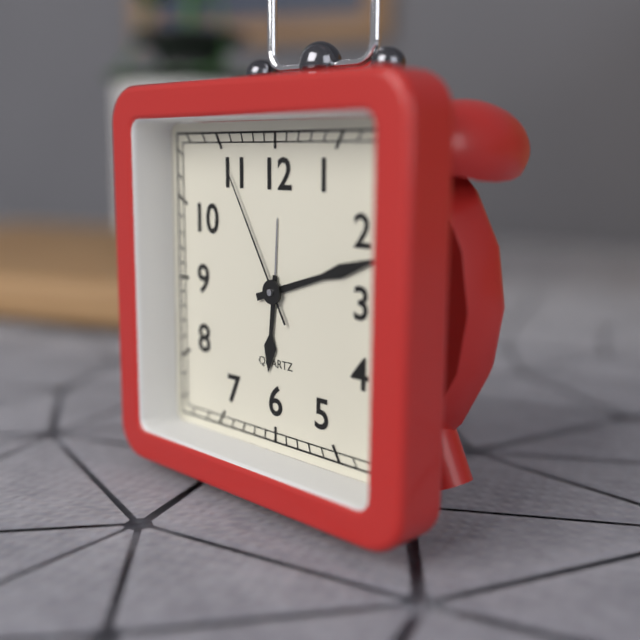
6:12:55
